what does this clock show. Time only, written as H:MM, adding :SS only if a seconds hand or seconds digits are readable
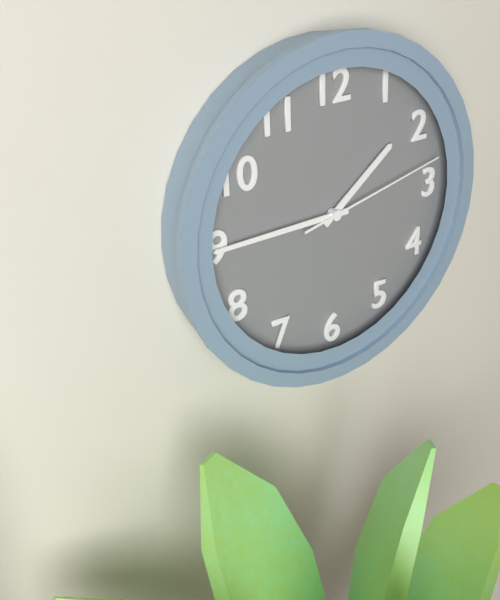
1:45:13
